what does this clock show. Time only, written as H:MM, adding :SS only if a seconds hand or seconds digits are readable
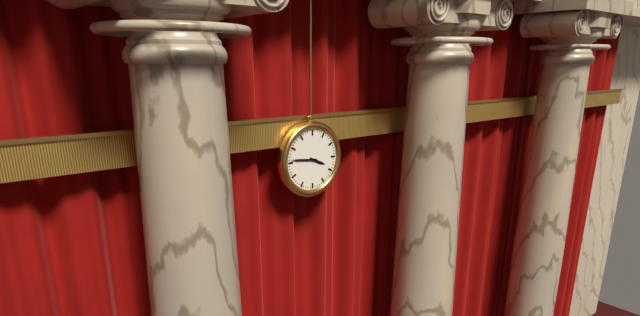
3:46
